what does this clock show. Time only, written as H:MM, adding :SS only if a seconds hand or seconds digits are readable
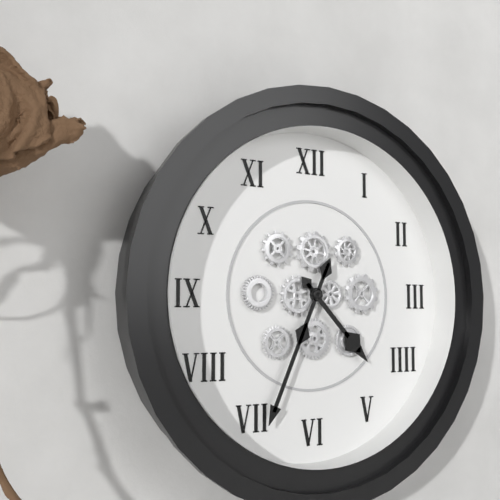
4:34
